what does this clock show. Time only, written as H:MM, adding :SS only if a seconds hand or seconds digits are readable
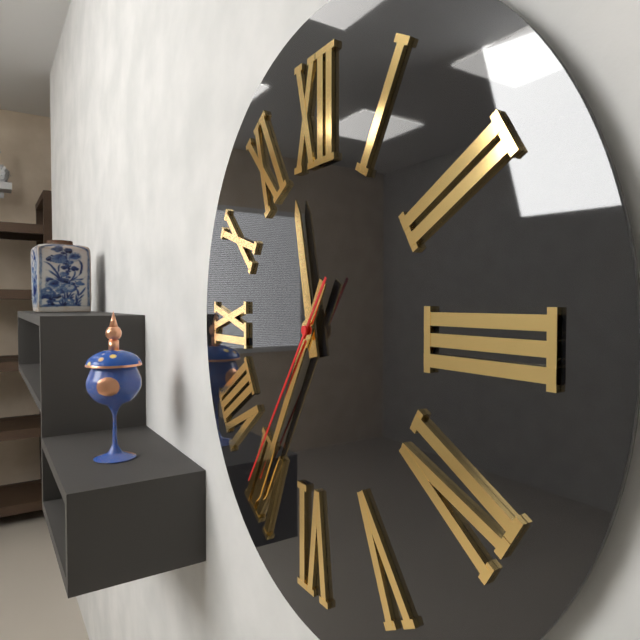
11:35:36
